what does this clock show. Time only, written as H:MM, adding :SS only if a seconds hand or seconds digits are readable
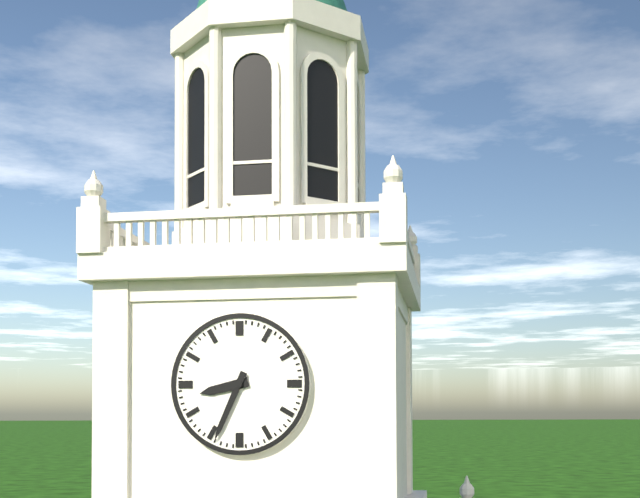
8:34
